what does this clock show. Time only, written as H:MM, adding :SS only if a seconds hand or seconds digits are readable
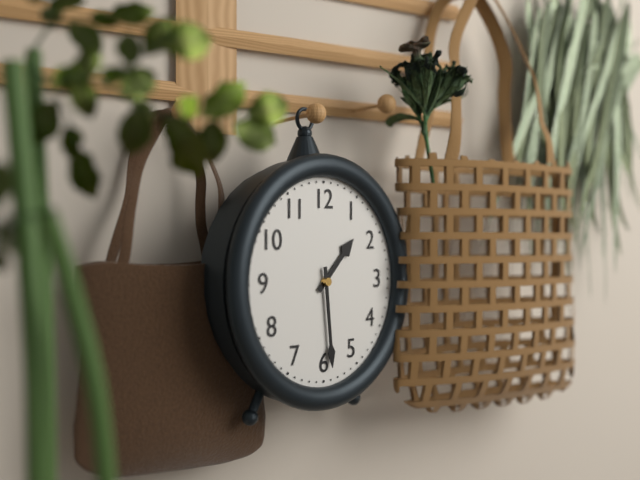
1:29
